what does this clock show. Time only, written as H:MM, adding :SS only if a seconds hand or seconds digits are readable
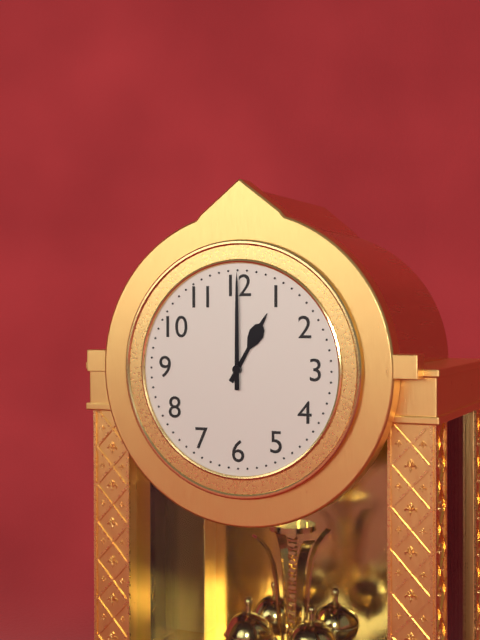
1:00
